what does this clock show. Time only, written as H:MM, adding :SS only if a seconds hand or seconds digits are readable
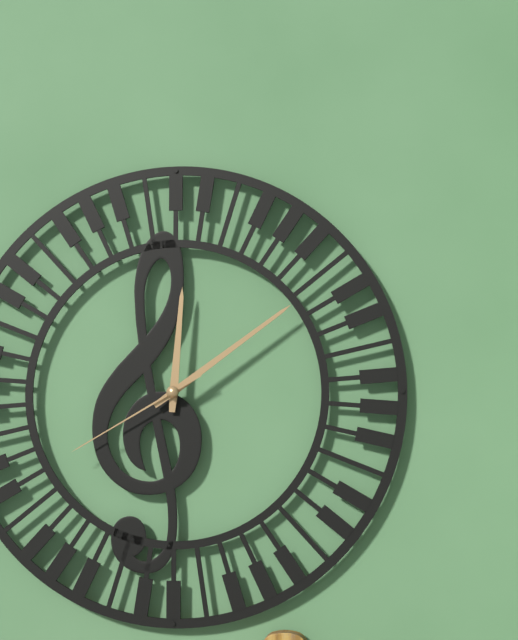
12:09:40
